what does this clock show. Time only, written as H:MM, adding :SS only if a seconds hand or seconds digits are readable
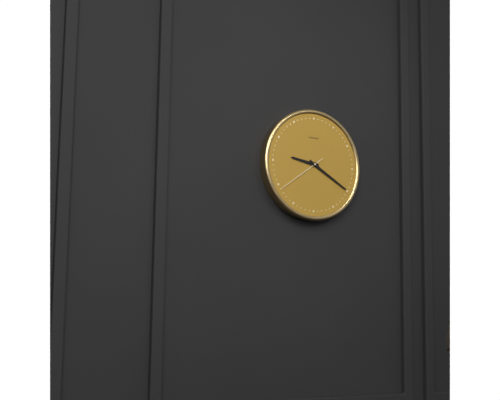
9:20:39
